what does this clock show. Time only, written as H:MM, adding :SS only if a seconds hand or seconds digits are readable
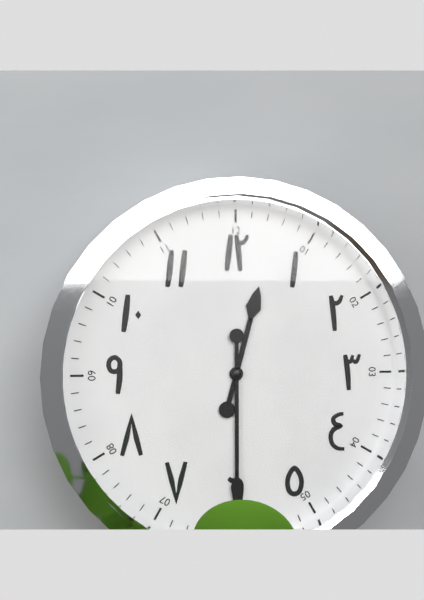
12:30
